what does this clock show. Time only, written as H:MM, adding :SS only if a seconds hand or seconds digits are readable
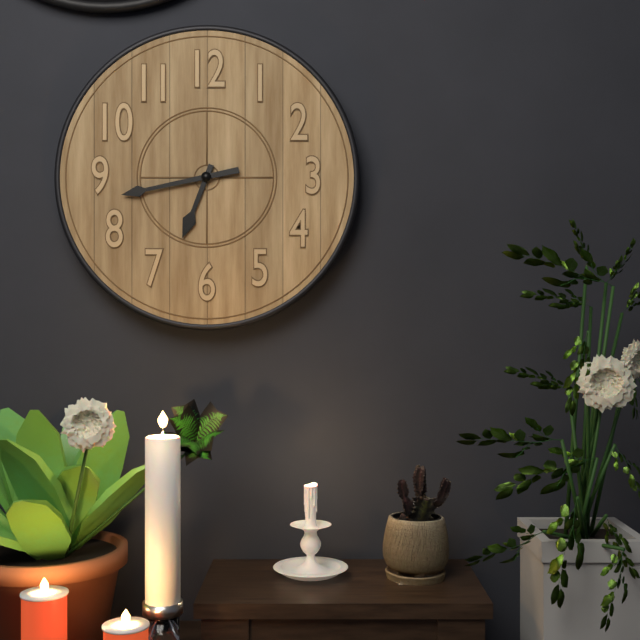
6:43
